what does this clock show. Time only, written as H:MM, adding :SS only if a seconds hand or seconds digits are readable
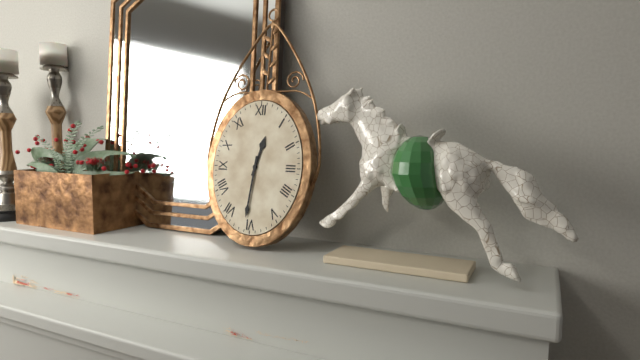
12:31
